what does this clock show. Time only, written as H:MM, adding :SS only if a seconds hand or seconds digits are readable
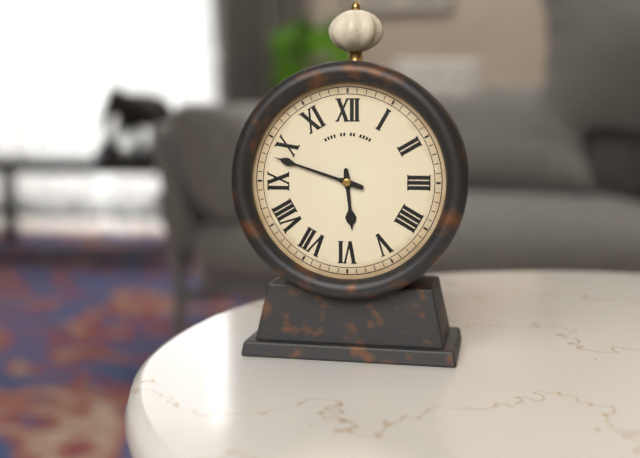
5:48
